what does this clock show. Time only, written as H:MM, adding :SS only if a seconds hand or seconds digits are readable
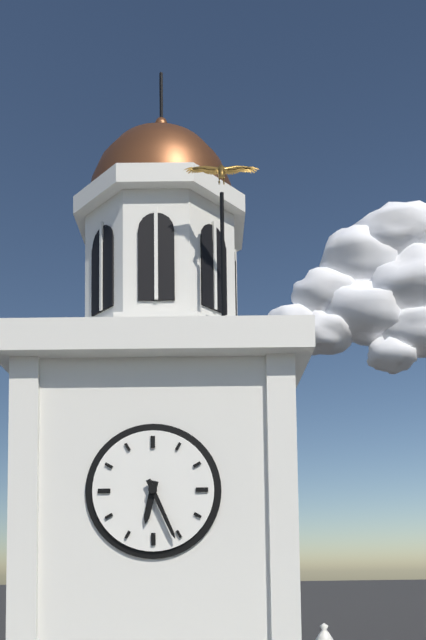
6:26
